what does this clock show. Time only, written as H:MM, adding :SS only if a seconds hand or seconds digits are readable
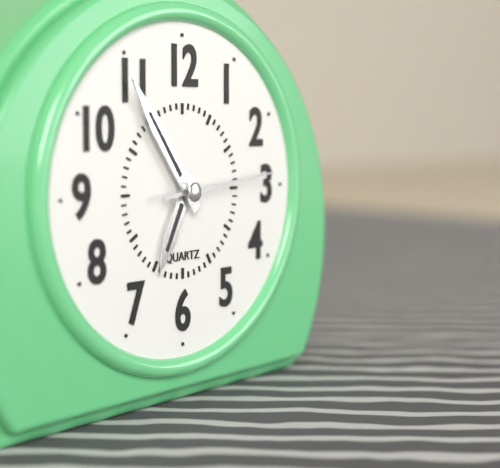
6:54:14
